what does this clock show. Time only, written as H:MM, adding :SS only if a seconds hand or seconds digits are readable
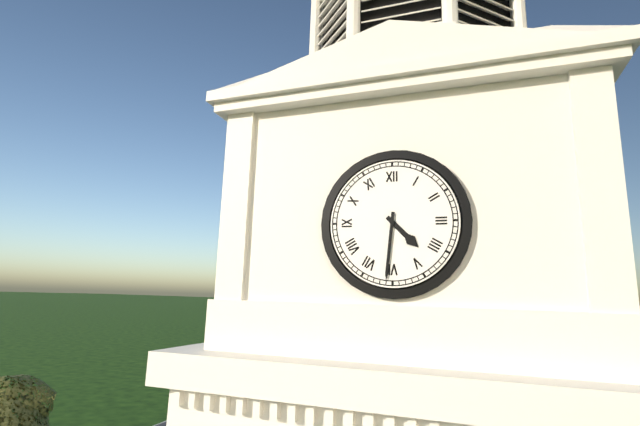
4:31
